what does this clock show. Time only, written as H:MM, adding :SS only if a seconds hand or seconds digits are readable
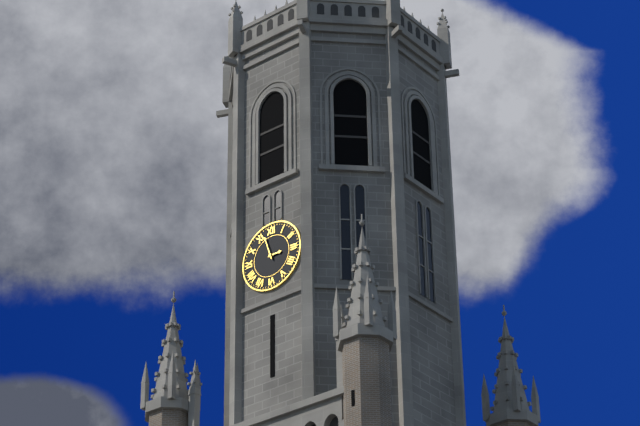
2:57
